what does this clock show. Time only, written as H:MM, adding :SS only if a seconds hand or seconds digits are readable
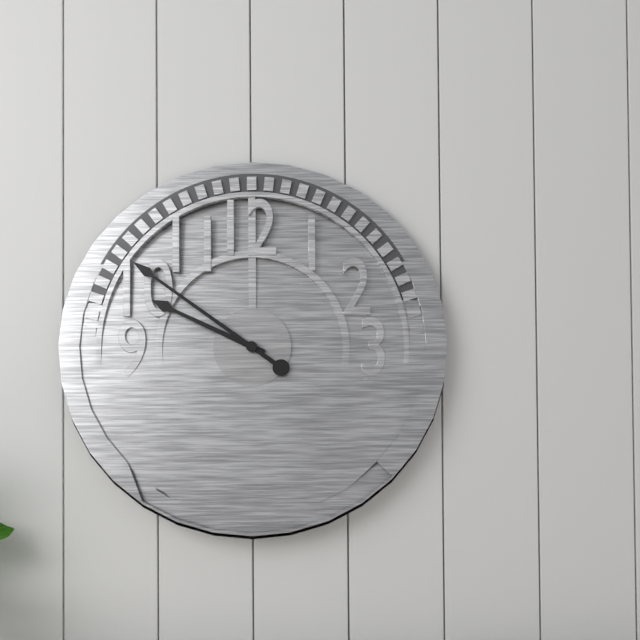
9:51
